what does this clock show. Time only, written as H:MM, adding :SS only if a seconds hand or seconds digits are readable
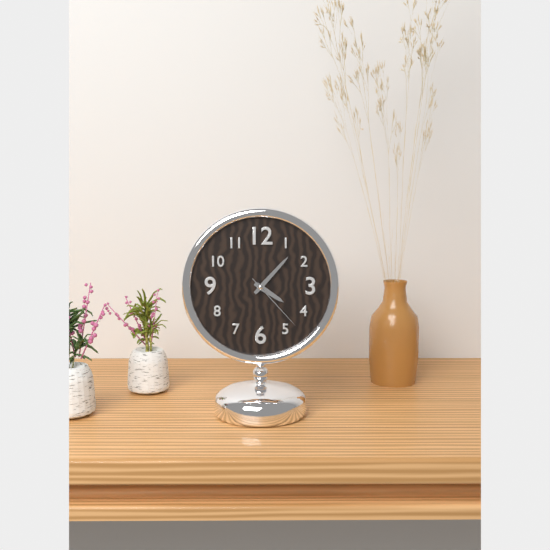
4:07:23
